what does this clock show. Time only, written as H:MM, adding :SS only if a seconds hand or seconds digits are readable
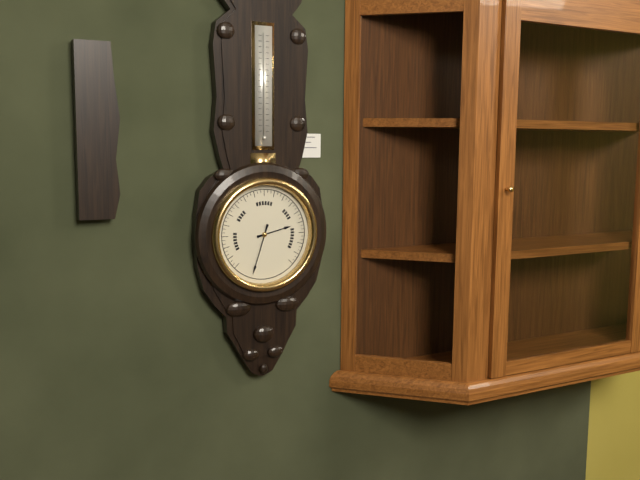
2:33
